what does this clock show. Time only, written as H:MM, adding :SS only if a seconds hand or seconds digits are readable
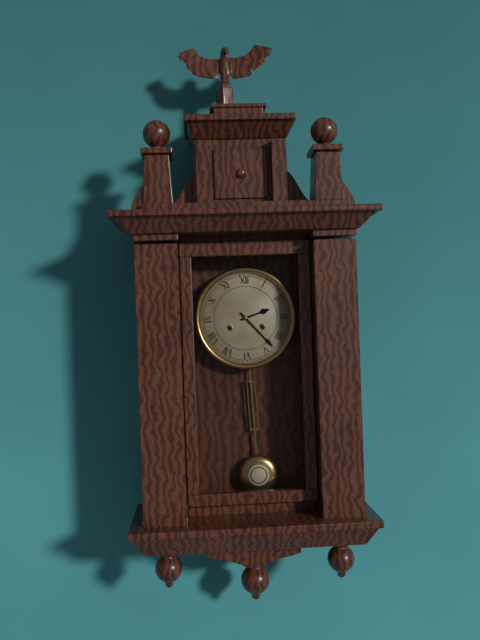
2:23
